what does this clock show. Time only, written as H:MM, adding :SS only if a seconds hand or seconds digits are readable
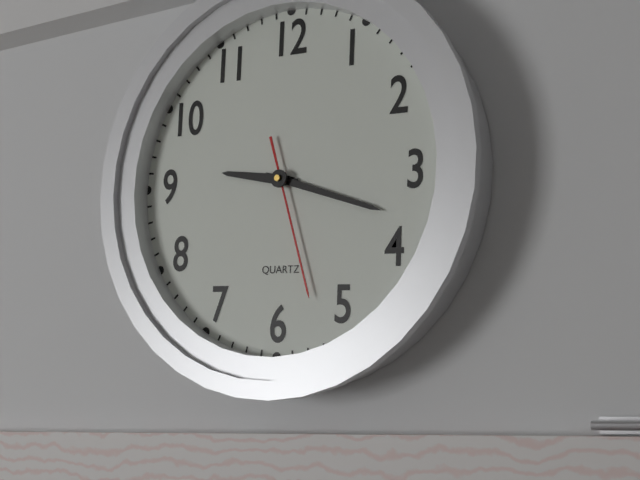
9:18:27
